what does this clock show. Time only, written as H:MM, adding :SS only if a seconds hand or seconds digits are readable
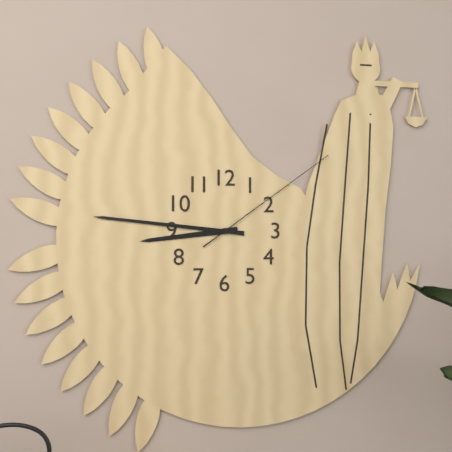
8:46:09
